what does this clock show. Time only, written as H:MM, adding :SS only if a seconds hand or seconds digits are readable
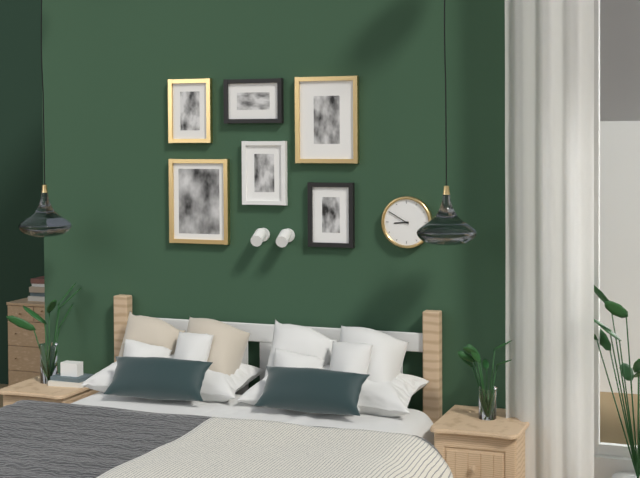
8:50
